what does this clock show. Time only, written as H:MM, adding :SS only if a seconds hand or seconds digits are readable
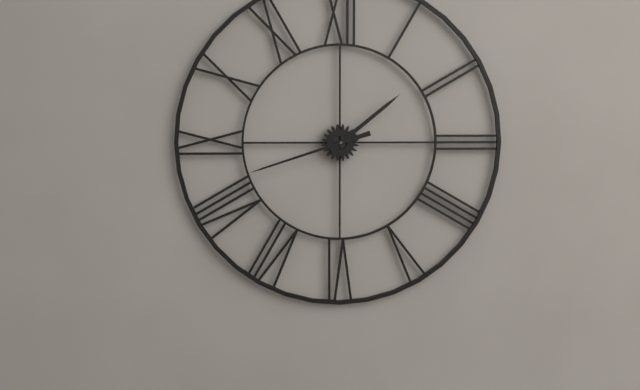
1:42
